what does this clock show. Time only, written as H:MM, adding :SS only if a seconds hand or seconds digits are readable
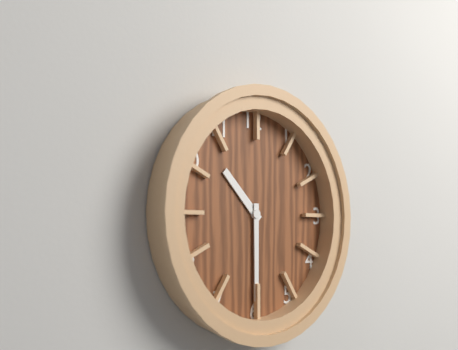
10:30
